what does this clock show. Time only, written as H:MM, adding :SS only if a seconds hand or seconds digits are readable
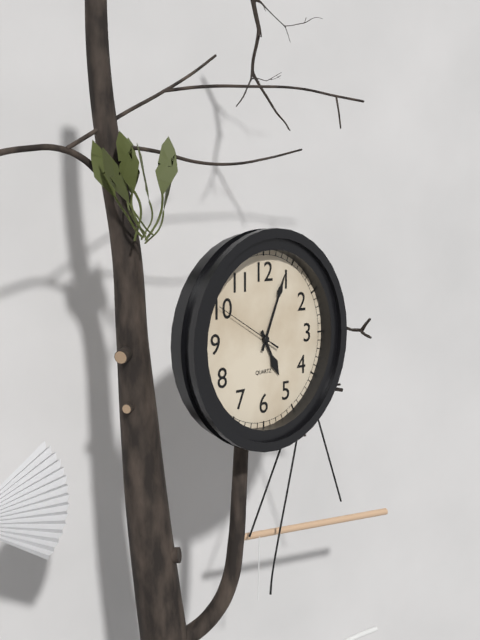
5:04:50
